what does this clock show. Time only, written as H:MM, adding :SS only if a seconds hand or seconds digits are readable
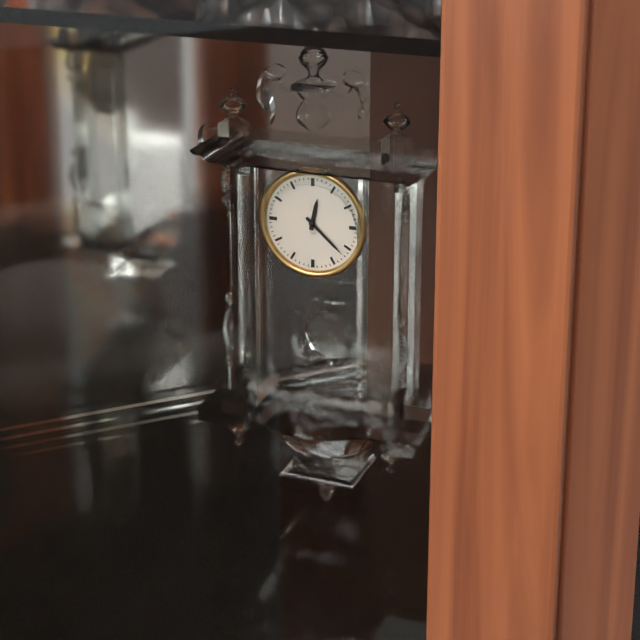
12:22
